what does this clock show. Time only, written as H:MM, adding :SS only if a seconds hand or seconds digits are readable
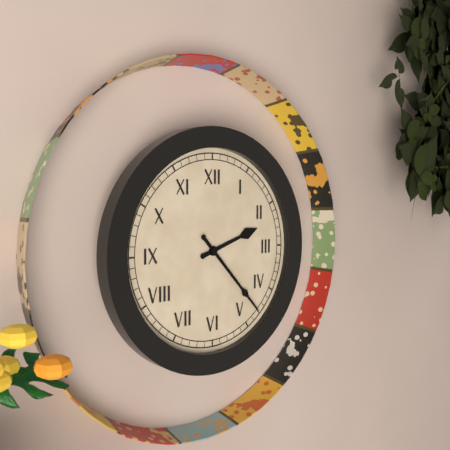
2:23
